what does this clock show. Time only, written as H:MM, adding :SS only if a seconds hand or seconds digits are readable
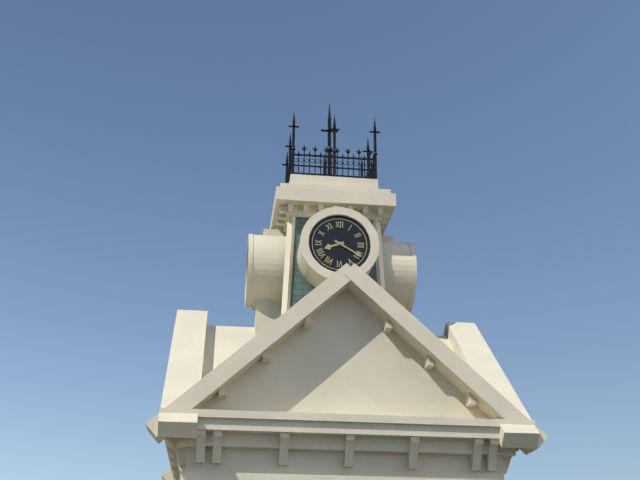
8:20
